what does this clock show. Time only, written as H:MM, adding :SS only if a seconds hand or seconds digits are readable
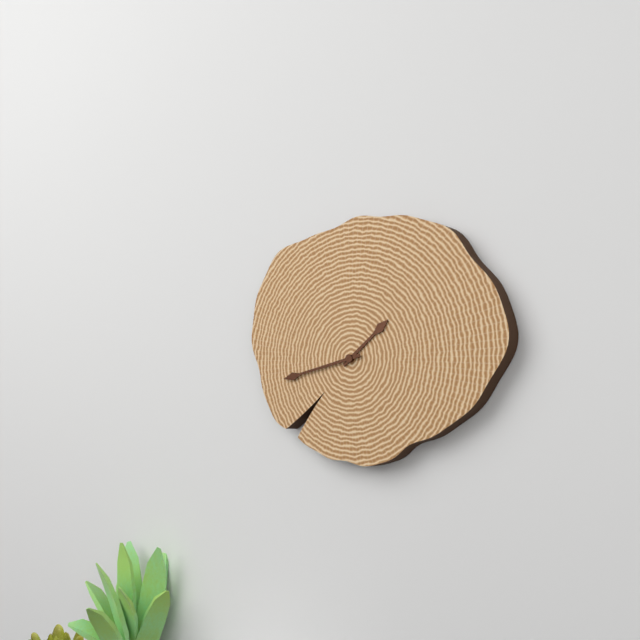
1:43
